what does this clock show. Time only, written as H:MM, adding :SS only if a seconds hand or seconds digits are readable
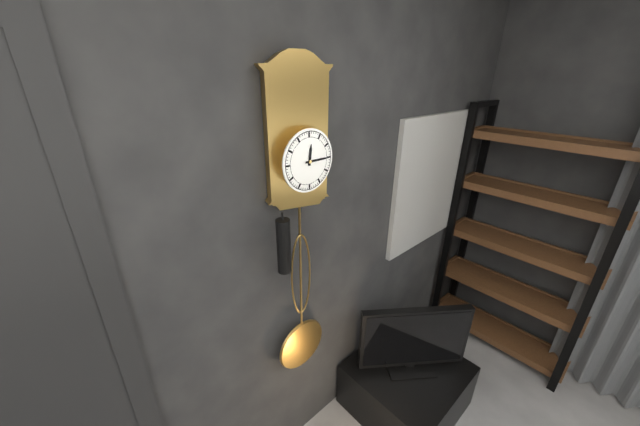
12:15
